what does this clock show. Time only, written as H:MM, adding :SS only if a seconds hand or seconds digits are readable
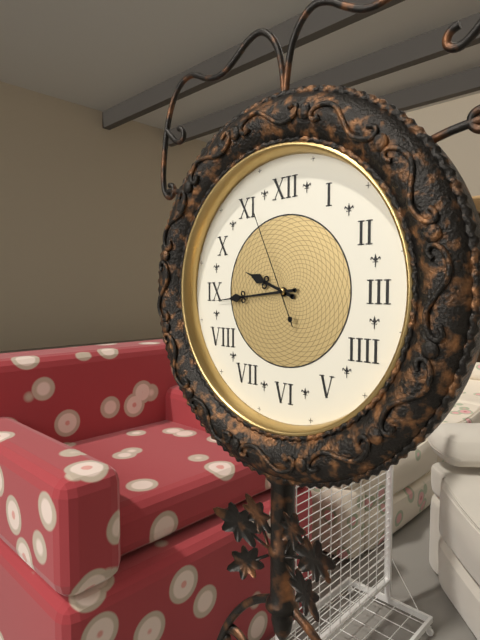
9:44:56
